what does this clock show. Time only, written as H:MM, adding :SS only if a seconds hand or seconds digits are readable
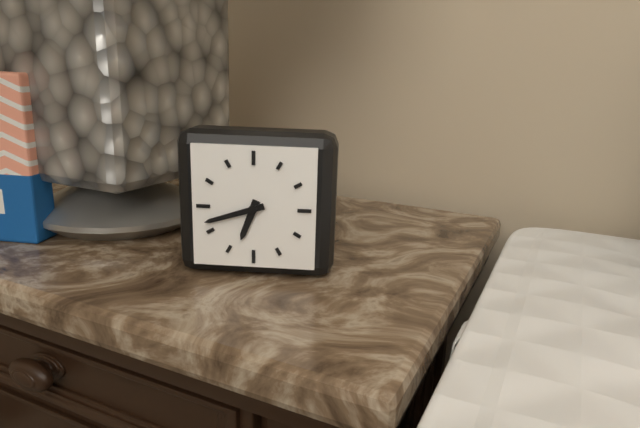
6:42
